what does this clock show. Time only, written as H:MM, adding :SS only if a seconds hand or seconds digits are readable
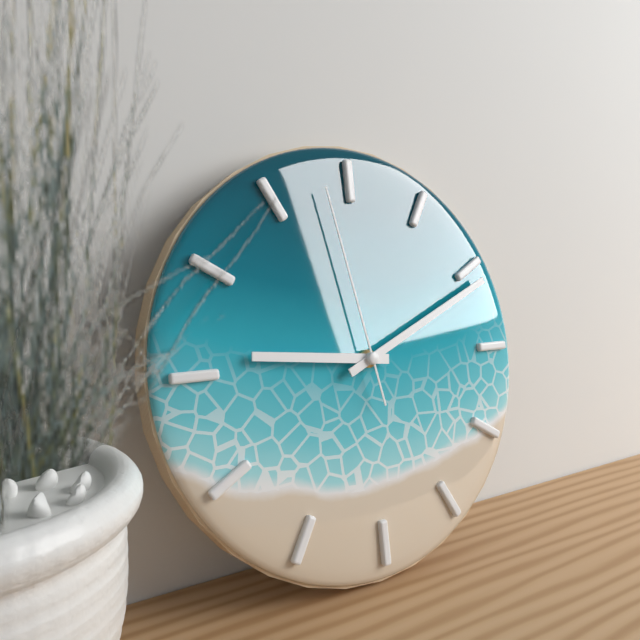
9:11:58
